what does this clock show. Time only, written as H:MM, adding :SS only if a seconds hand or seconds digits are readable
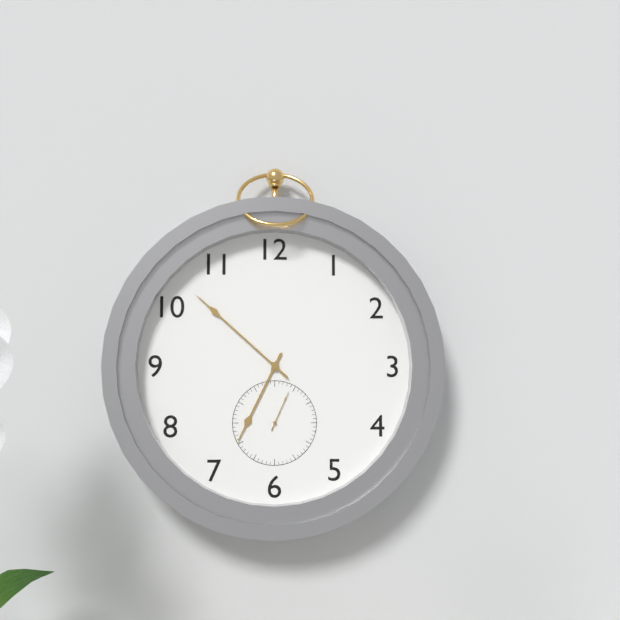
6:52
